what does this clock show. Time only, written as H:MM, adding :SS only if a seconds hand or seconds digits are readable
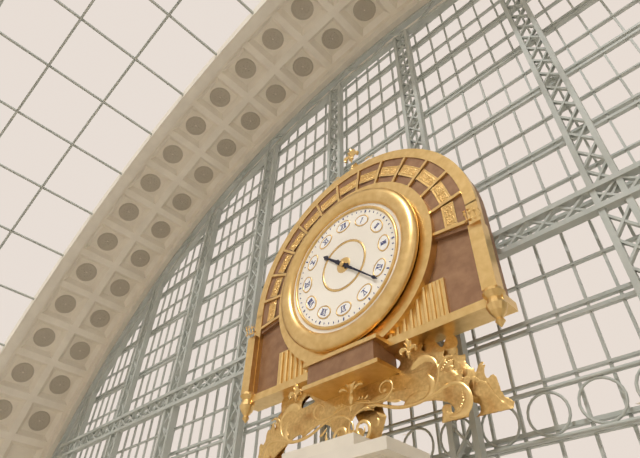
10:22
